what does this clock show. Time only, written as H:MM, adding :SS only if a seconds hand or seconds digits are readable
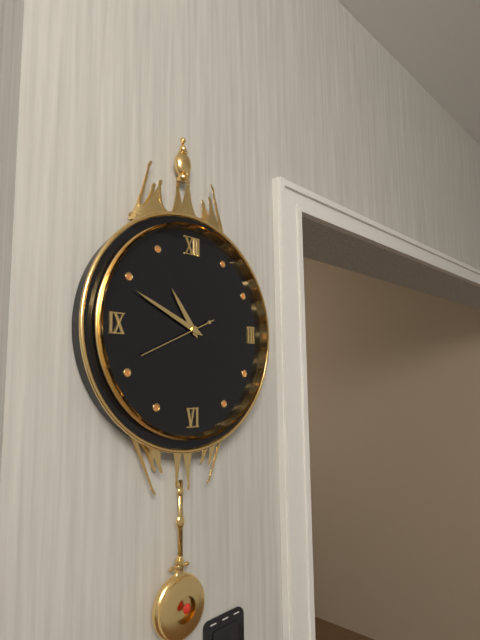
10:49:41
